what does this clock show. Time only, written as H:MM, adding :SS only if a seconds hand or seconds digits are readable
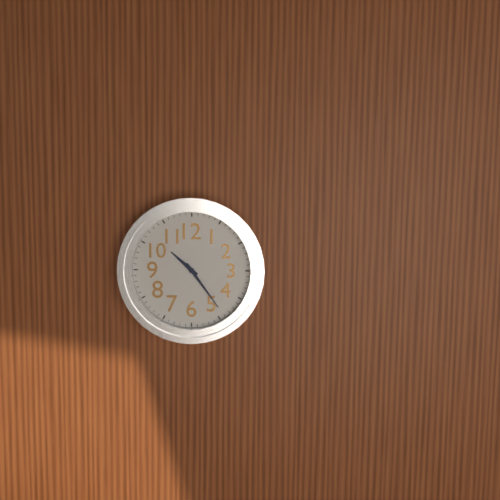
10:24
